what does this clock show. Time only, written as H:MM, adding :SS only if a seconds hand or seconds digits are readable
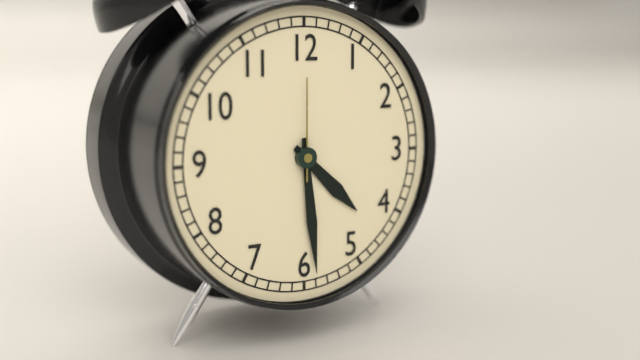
4:29:00
